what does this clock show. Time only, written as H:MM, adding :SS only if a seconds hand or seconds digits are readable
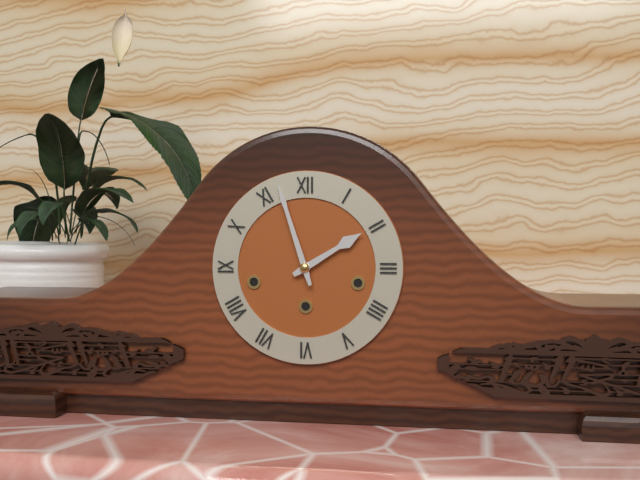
1:57
